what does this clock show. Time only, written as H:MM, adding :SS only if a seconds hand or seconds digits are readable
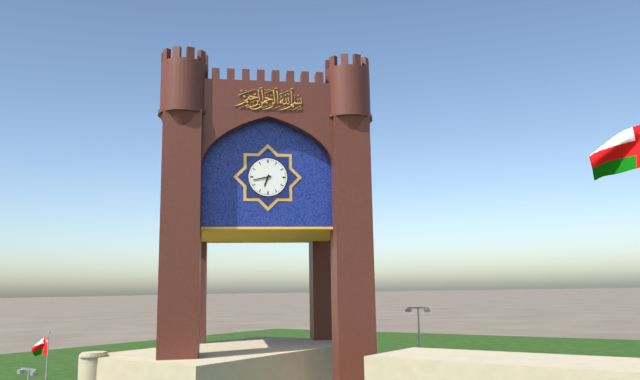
6:43
